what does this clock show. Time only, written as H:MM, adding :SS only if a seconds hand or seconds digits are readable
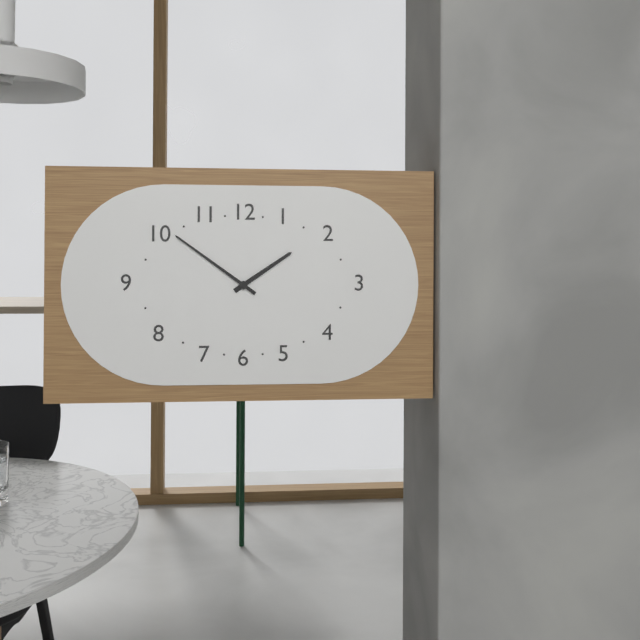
1:51
